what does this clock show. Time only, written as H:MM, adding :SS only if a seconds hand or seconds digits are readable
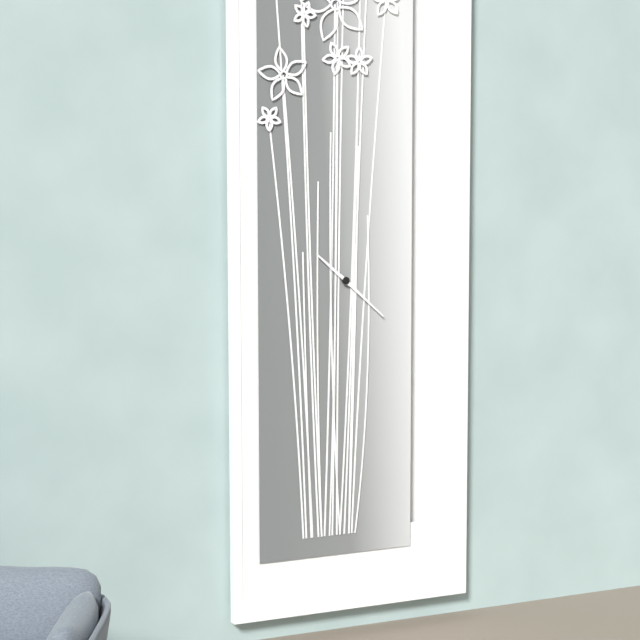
10:22
